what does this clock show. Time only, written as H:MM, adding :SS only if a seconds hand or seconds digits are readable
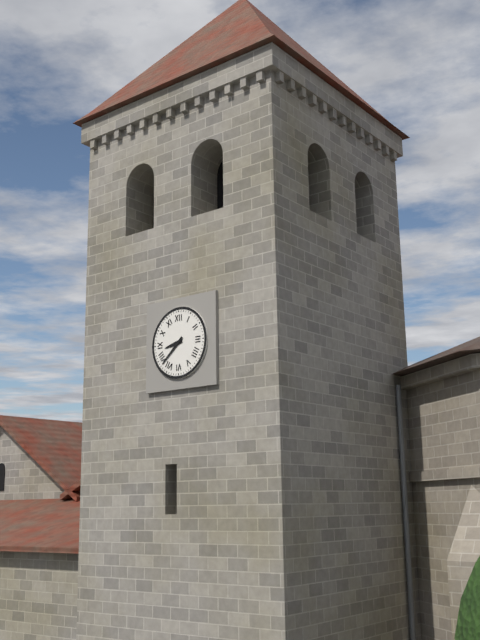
8:38
